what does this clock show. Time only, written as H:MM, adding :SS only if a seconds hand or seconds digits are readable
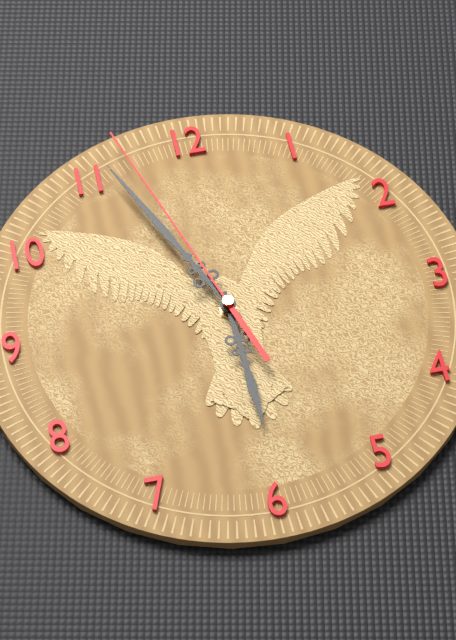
5:56:57
